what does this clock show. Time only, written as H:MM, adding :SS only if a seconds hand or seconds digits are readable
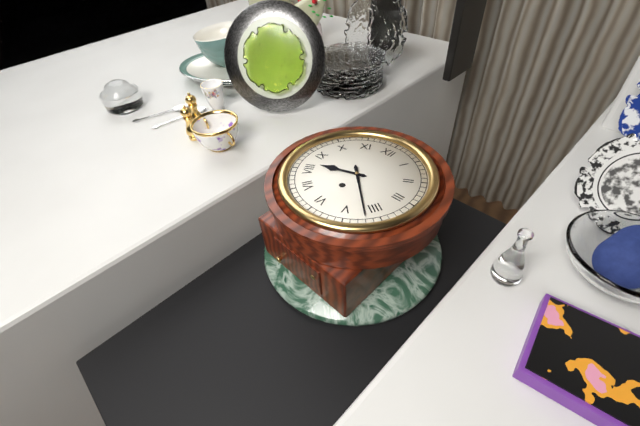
8:22
